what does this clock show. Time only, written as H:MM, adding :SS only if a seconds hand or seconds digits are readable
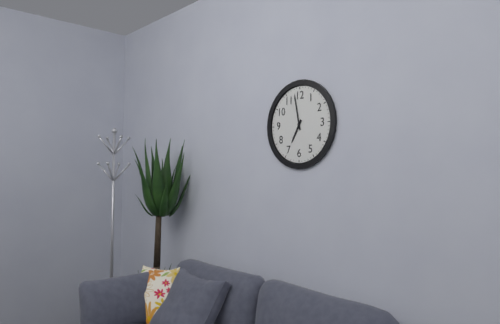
6:58
